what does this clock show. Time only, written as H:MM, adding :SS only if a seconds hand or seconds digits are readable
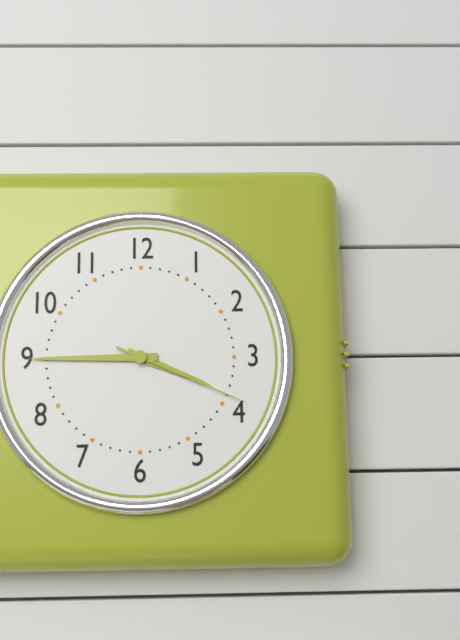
3:45:19
